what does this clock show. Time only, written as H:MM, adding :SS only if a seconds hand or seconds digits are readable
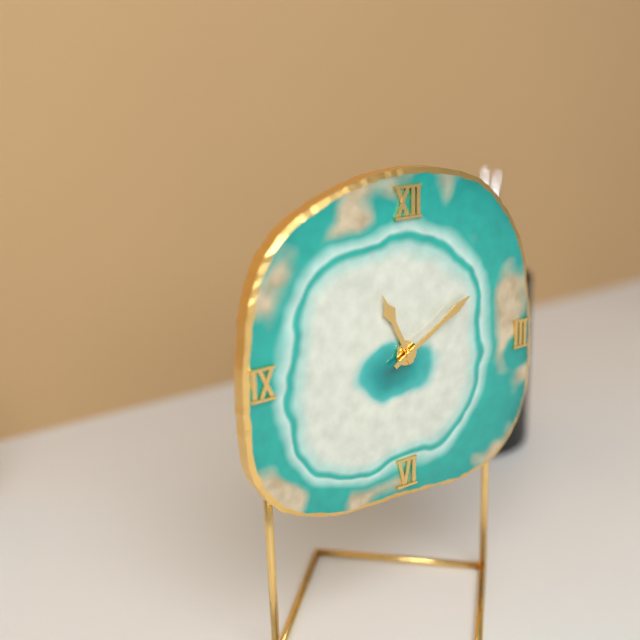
11:10
